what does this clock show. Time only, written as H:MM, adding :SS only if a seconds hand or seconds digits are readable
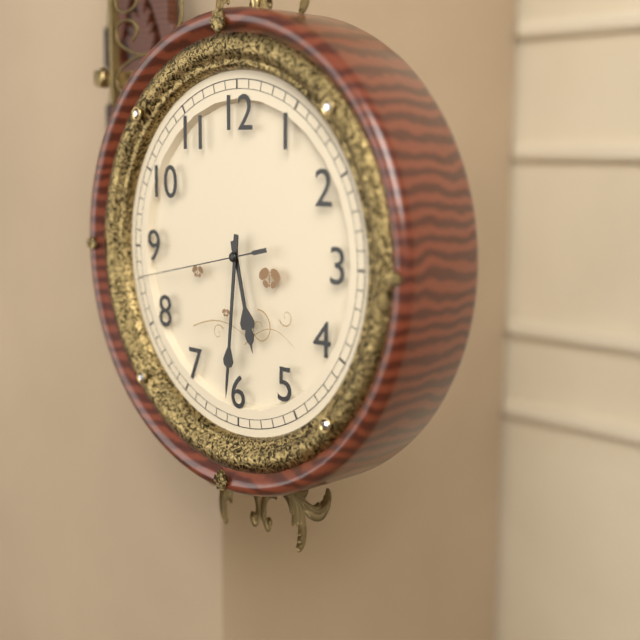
5:31:43
